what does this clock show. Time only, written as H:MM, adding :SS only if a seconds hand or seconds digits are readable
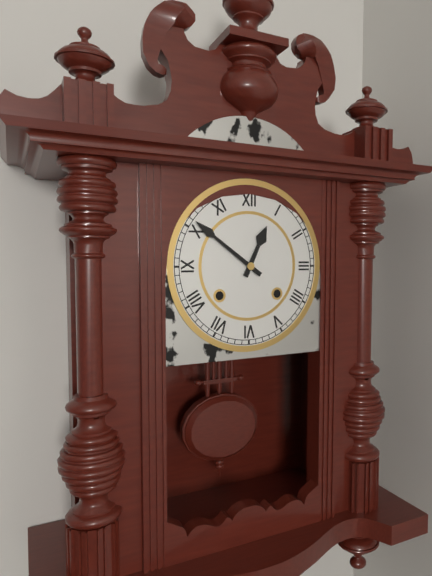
12:51
